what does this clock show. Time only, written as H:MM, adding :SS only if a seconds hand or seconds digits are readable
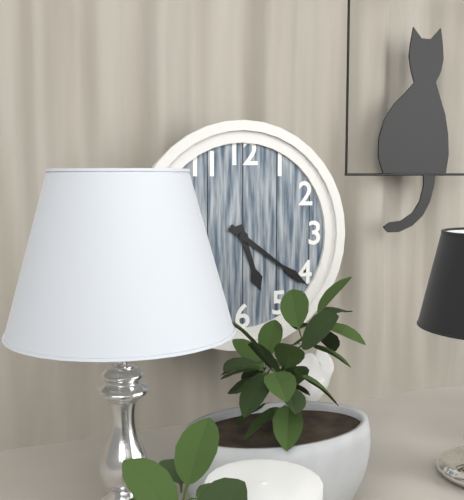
5:21
